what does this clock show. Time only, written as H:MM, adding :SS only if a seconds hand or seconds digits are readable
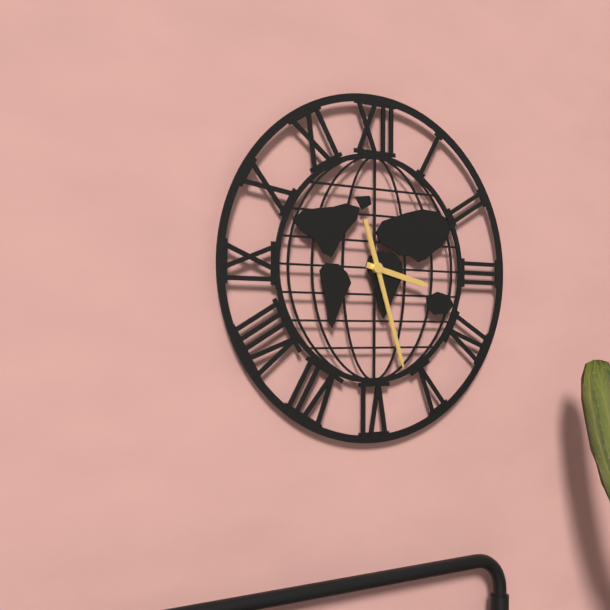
3:27
